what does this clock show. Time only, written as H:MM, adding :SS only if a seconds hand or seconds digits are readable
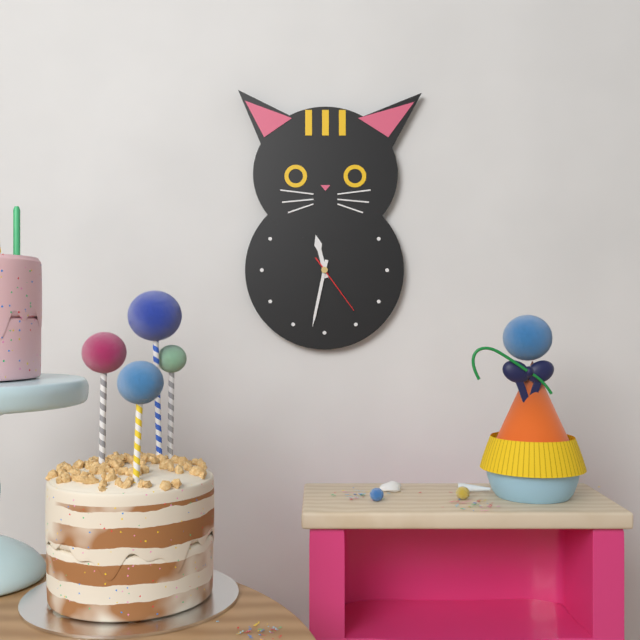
11:32:24
